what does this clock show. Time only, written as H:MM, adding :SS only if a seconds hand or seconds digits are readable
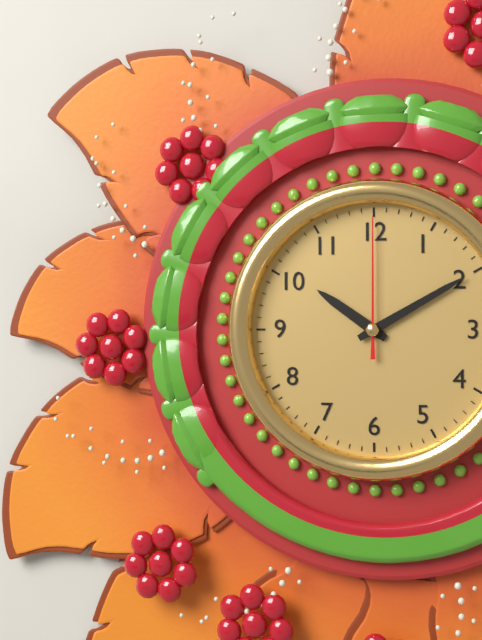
10:10:00
